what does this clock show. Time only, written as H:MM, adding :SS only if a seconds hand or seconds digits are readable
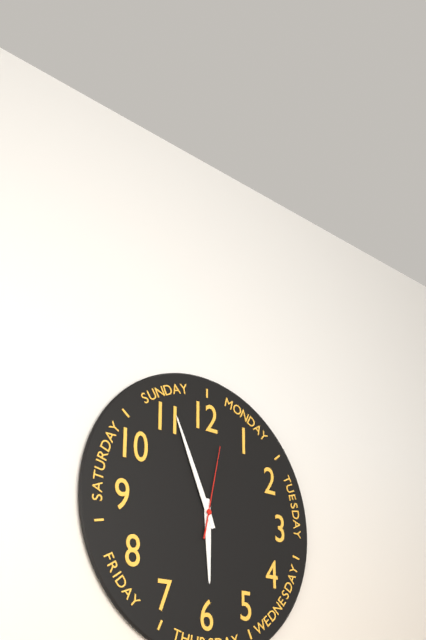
5:56:02
